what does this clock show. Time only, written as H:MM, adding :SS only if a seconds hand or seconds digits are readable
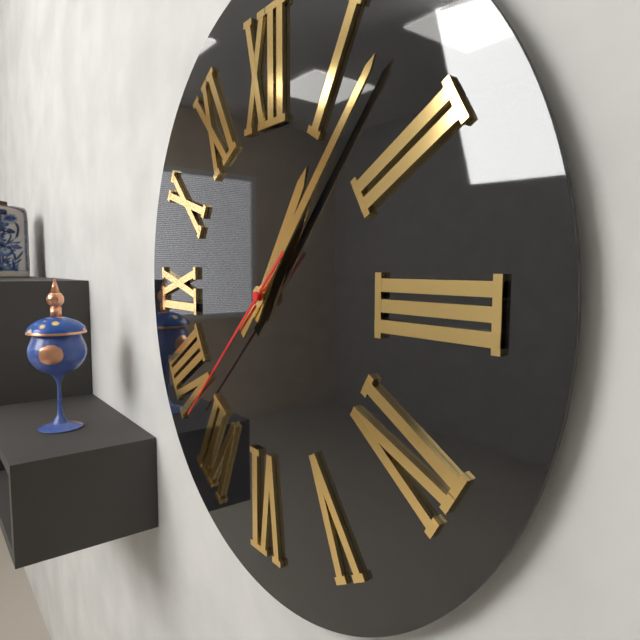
1:07:38
